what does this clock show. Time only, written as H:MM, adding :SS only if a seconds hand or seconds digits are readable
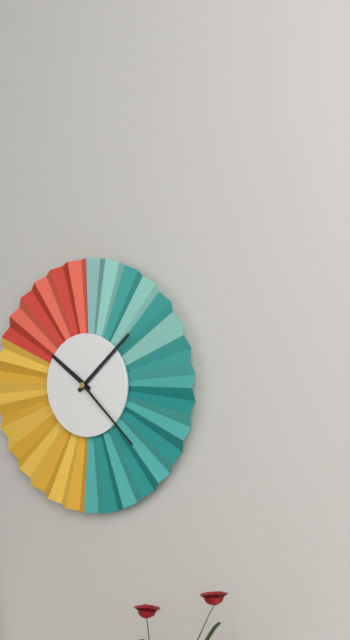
10:08:22
